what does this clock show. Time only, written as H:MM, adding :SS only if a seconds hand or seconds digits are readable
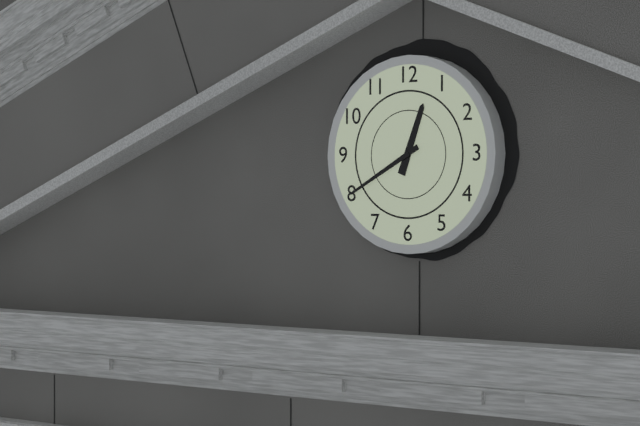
12:40
